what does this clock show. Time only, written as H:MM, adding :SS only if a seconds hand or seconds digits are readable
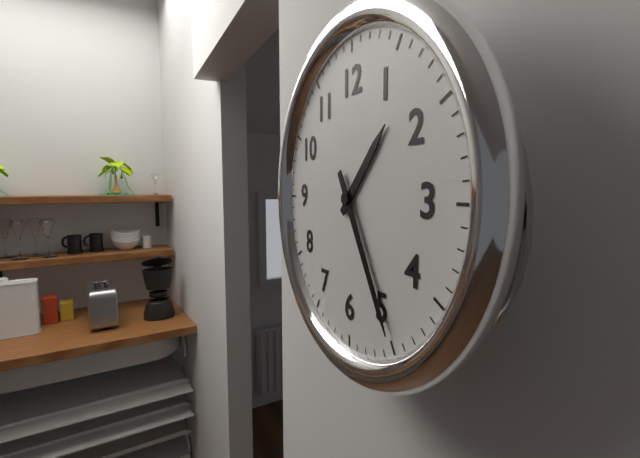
1:25
